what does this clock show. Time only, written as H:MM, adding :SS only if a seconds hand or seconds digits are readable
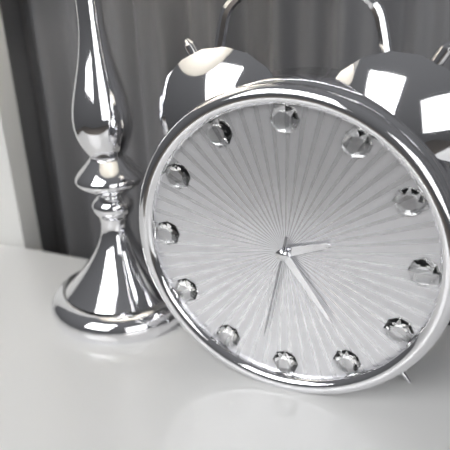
2:24:32
